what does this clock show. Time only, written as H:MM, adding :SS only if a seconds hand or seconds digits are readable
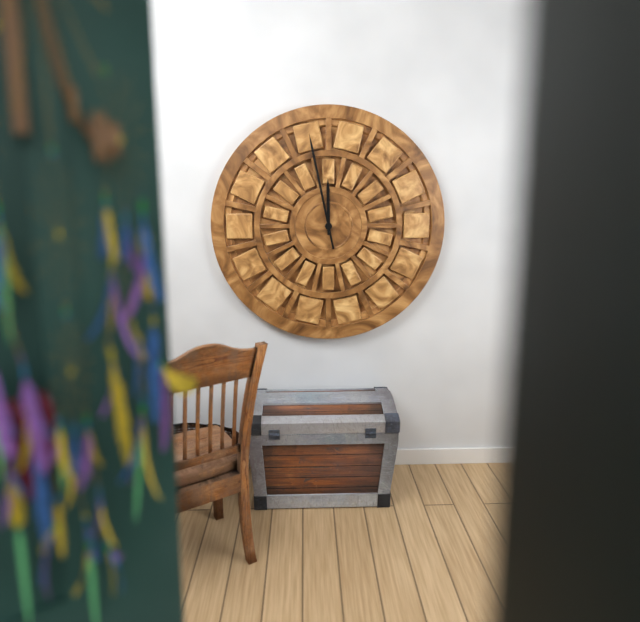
11:58
